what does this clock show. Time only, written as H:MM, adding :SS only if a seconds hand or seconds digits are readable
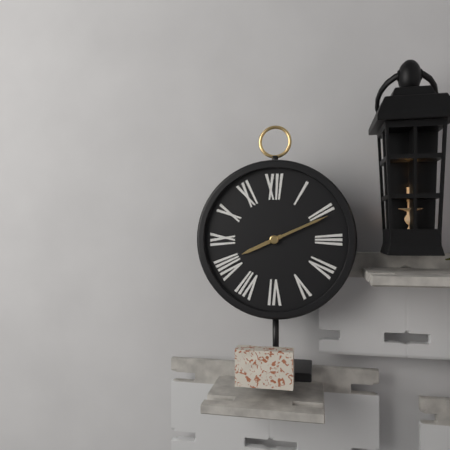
8:11
